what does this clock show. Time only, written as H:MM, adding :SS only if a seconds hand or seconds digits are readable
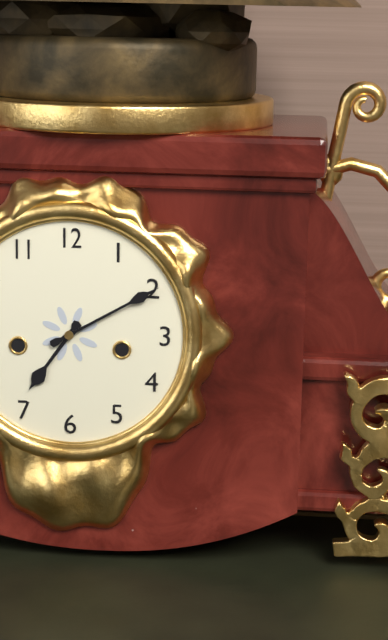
7:10
